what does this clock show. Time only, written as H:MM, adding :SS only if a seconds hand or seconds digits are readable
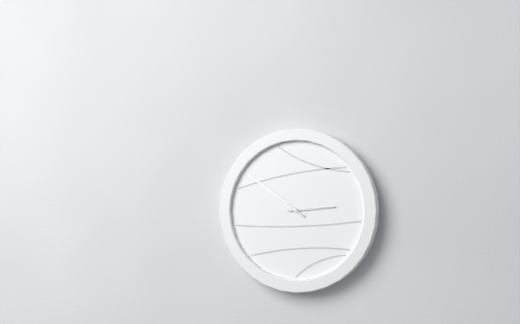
2:51
